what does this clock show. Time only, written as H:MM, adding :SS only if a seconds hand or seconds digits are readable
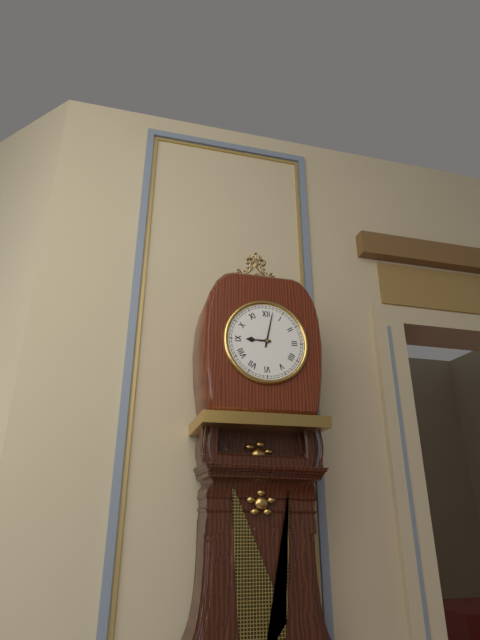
9:02
